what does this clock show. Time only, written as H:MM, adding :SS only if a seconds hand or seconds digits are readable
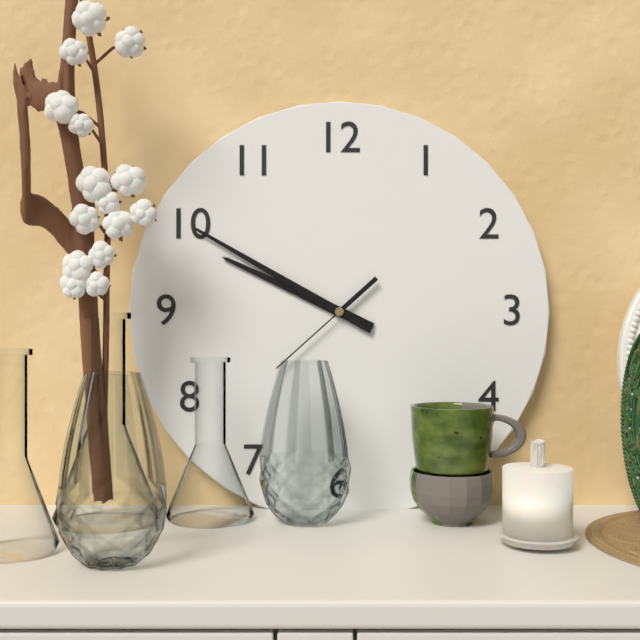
9:50:38
